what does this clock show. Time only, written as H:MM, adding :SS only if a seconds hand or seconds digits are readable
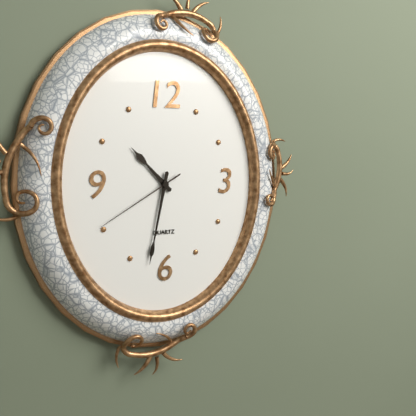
10:32:40
